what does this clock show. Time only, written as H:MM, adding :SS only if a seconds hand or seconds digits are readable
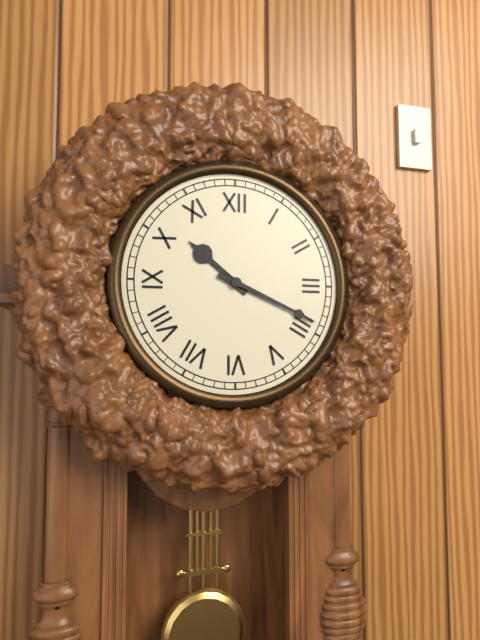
10:19
